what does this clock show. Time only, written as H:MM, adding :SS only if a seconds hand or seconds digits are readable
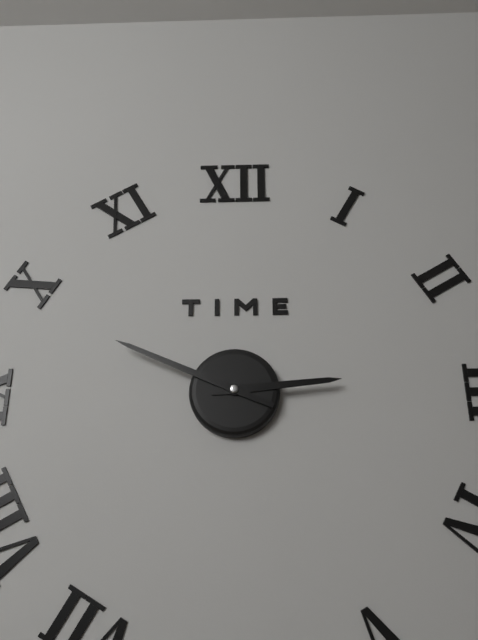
2:49
